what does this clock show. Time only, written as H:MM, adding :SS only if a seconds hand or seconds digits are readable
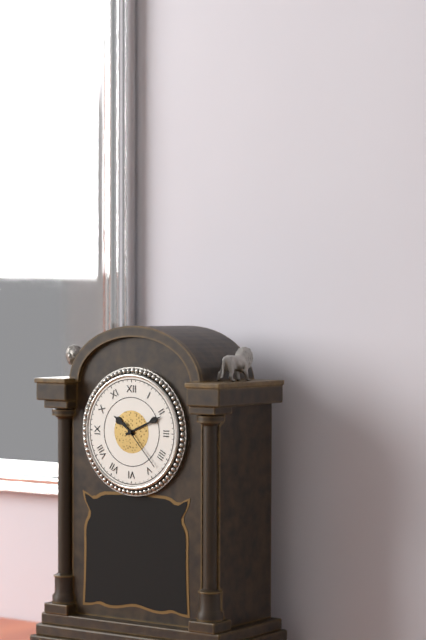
10:11:23
